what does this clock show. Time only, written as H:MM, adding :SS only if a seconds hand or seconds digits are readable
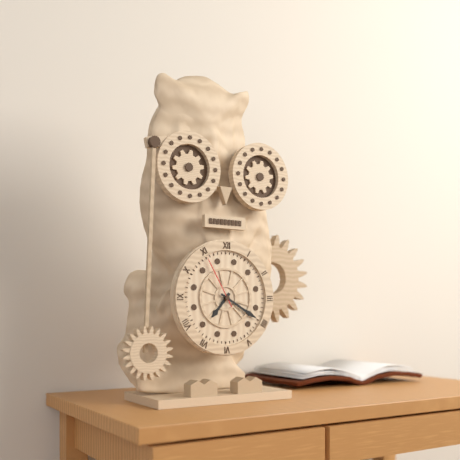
7:20:55
